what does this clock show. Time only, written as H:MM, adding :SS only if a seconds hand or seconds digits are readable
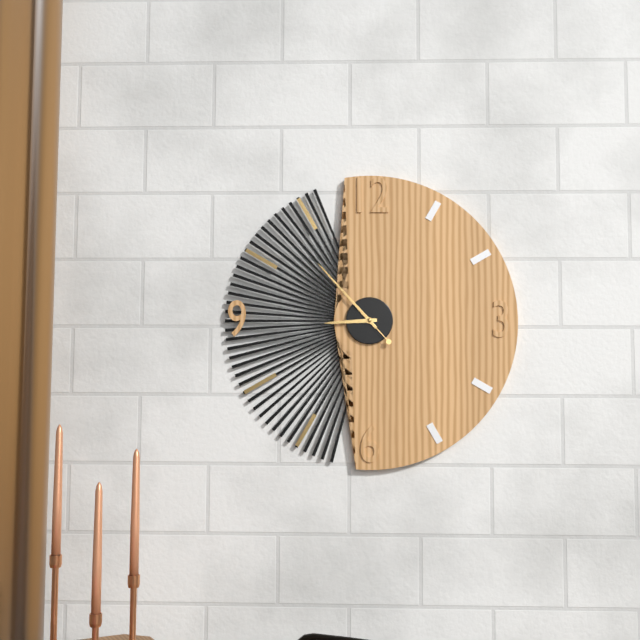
8:53:53
